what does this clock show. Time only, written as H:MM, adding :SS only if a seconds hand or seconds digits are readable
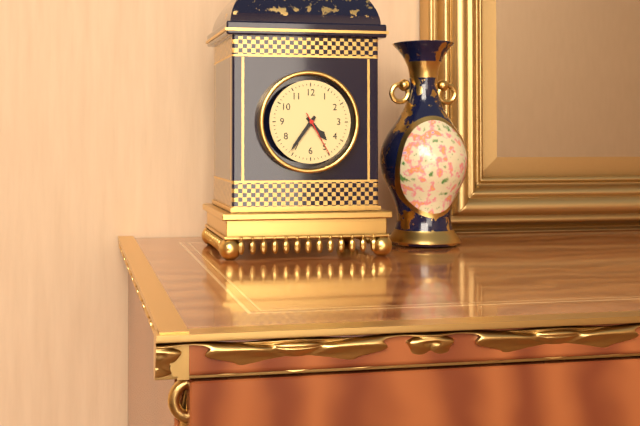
4:36
